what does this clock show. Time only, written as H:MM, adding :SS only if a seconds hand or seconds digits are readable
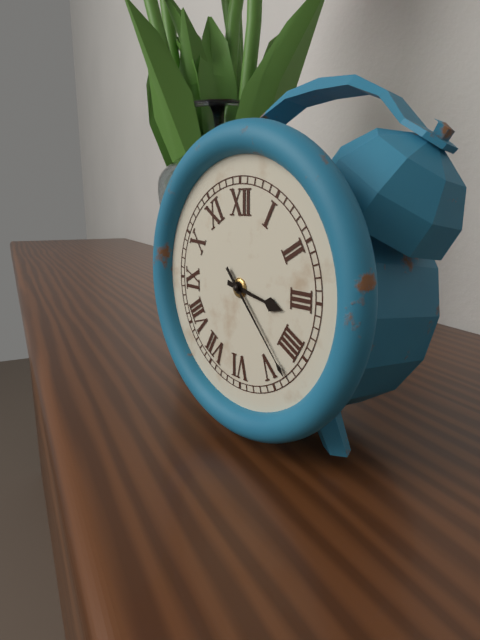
3:23
